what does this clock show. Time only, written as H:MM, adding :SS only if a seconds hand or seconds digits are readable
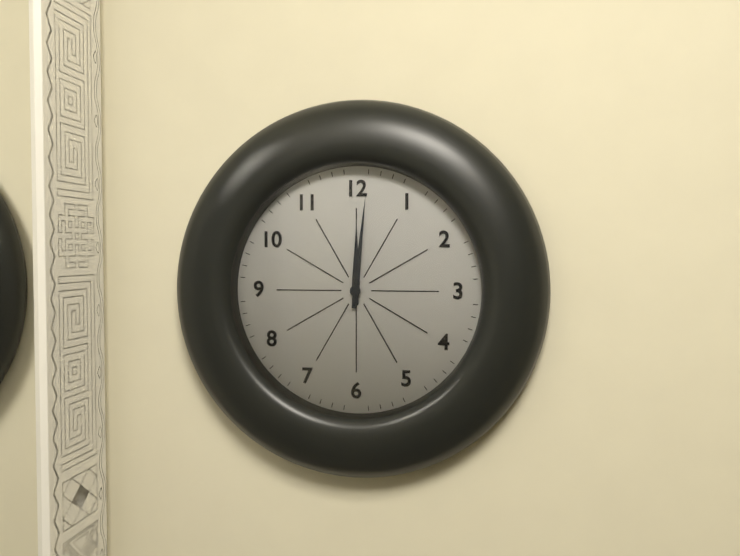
12:01
